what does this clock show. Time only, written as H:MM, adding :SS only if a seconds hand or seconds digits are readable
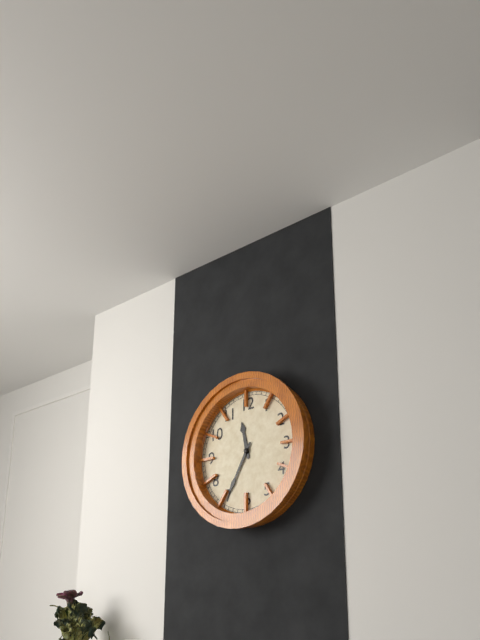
11:35
